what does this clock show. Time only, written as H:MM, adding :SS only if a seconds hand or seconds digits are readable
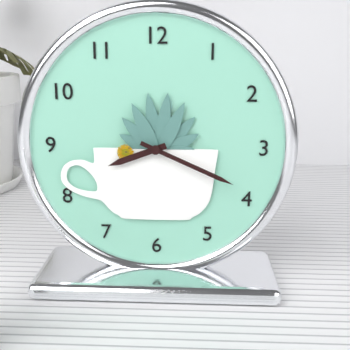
8:19
